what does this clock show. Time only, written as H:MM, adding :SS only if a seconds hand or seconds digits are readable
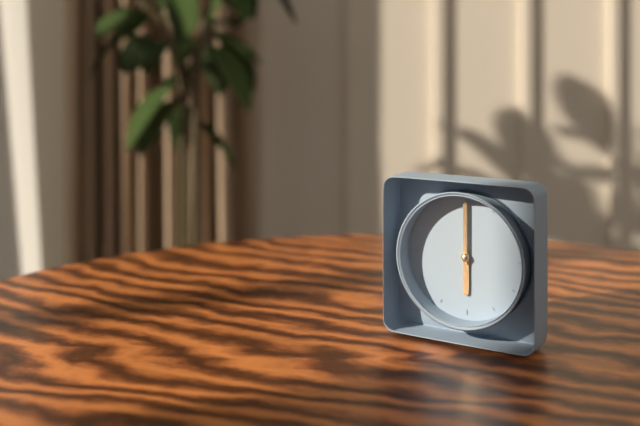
6:00
